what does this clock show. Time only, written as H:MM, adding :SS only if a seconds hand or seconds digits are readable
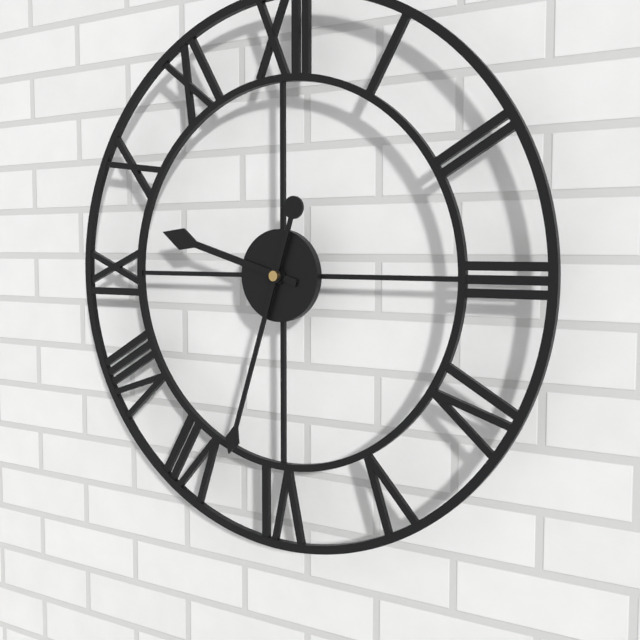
9:33
